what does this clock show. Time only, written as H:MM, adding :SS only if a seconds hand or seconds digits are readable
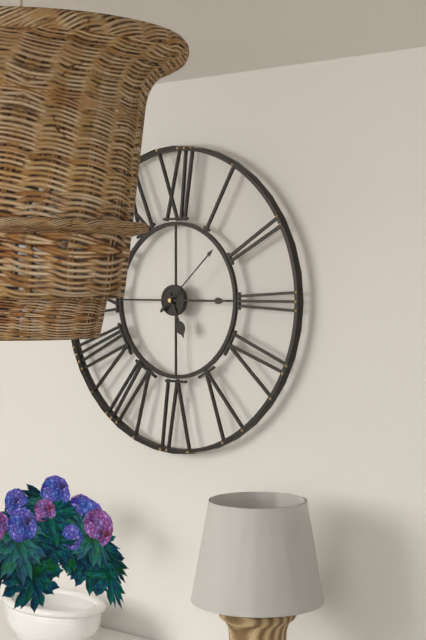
5:15:08
